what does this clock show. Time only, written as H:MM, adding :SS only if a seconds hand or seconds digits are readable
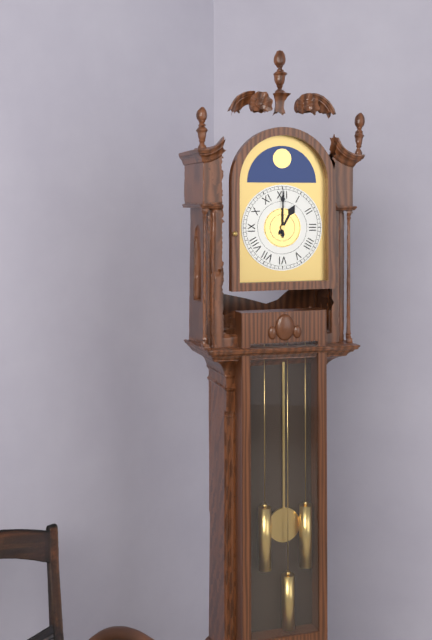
1:00
